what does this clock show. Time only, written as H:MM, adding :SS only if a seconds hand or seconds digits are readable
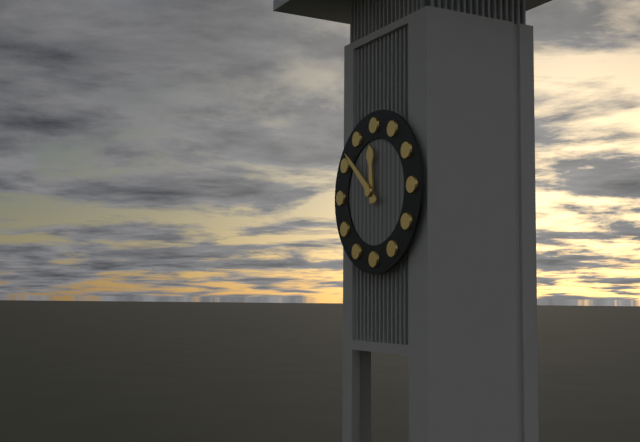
11:52
